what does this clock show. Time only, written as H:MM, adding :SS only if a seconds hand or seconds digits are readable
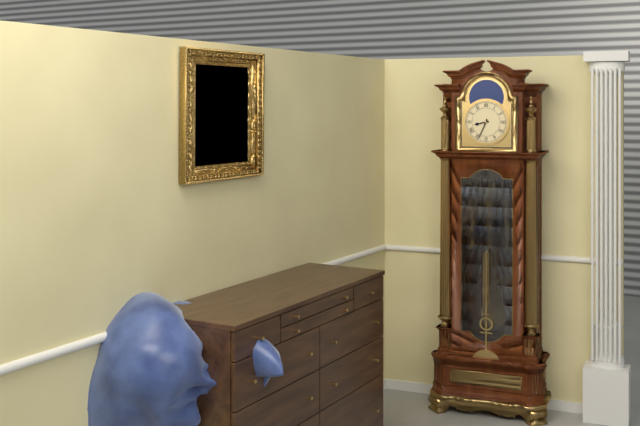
8:34
